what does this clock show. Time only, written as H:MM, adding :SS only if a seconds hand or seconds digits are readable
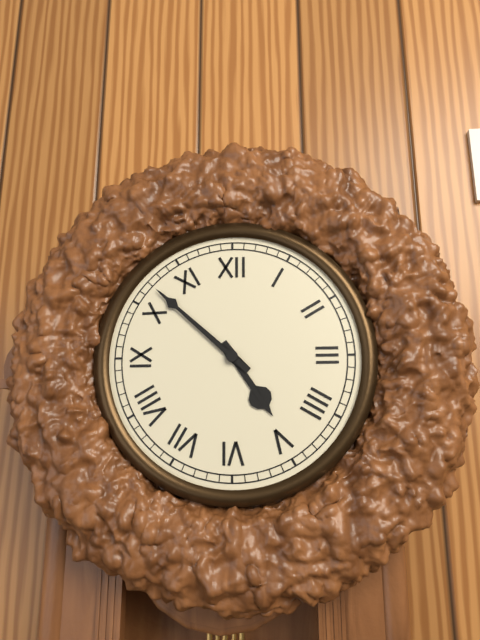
4:52
